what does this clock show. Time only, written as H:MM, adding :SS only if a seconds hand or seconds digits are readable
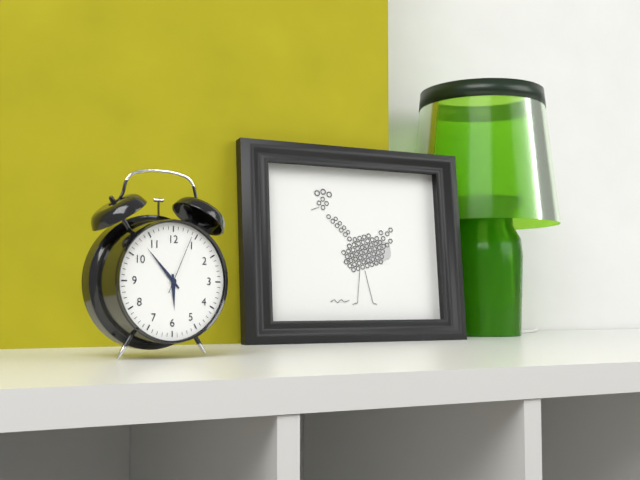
5:53:04
